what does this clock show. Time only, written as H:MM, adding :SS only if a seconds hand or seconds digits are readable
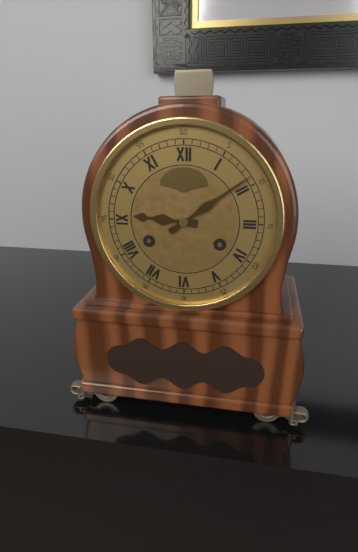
9:09
